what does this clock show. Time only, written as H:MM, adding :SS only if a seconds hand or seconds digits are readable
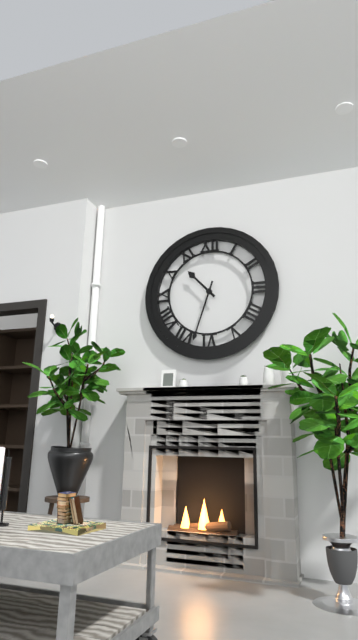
10:33
